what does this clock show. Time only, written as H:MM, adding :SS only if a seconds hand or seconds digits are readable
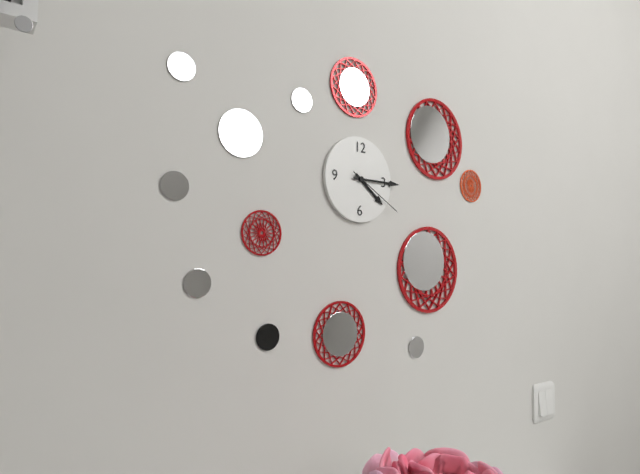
4:15:20
